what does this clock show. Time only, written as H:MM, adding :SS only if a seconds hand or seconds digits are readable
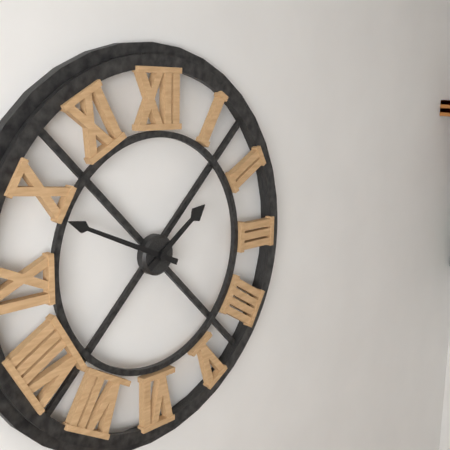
1:49
